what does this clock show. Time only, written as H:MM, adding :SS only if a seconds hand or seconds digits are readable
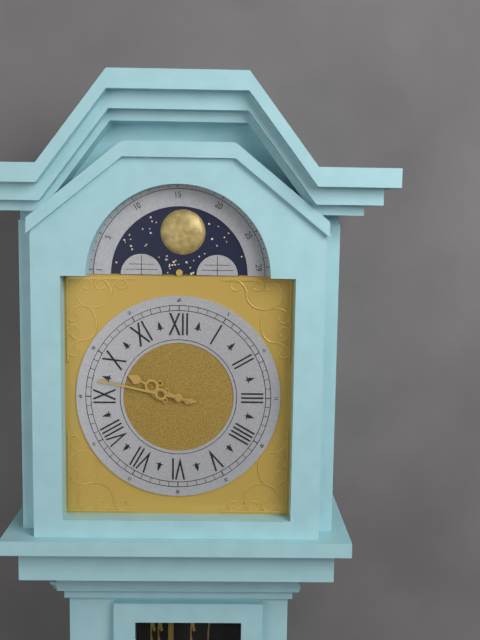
9:47
